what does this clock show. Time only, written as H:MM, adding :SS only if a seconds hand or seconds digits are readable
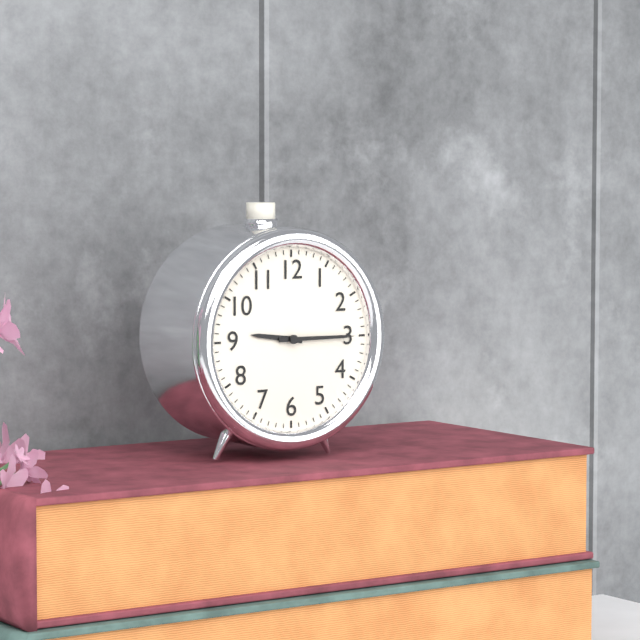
9:15
